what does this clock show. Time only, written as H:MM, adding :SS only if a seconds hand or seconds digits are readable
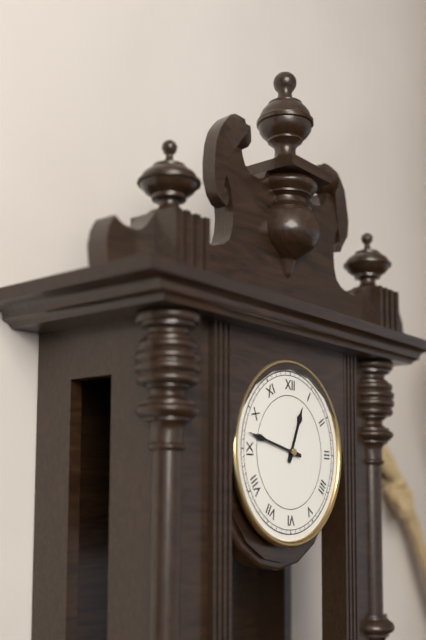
12:47
